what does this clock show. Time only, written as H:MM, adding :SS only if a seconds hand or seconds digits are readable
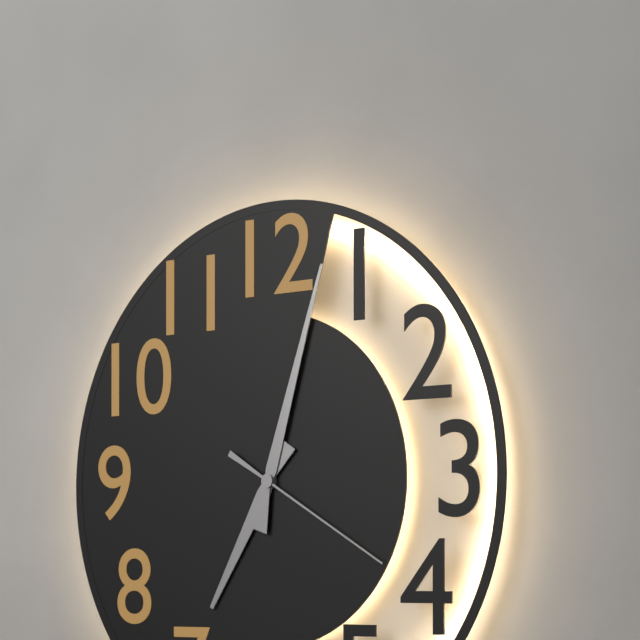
7:03:20
